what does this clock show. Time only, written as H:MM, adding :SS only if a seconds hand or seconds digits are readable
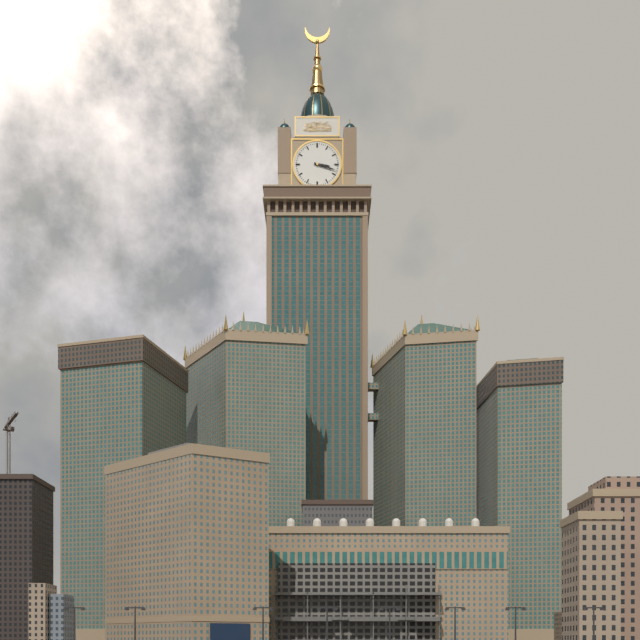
3:18
